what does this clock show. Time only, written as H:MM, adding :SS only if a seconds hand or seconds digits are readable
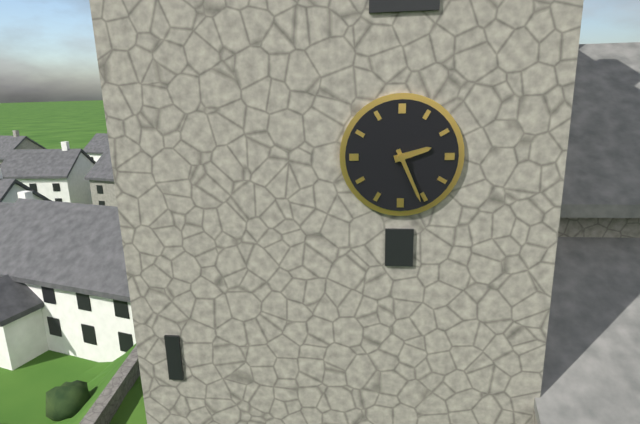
2:26
